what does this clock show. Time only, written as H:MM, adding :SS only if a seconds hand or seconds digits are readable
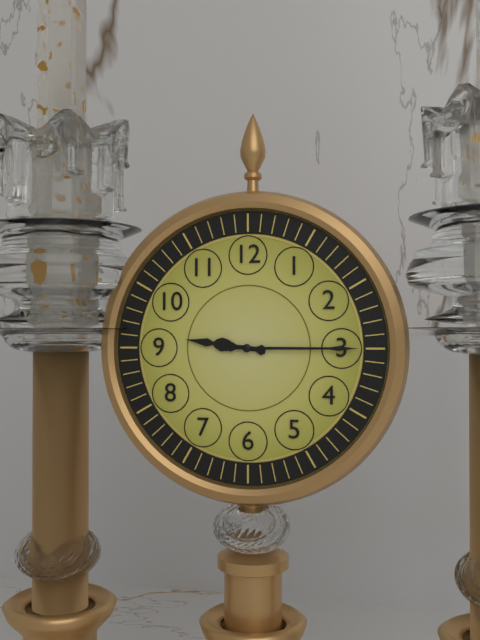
9:15
